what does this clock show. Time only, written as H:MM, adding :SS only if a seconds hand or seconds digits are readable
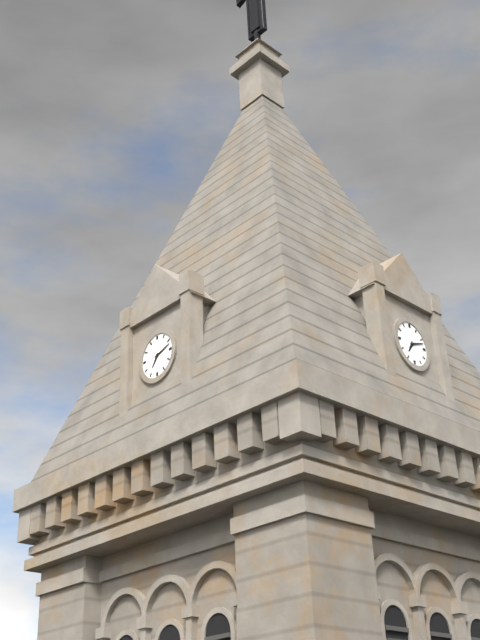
7:12
